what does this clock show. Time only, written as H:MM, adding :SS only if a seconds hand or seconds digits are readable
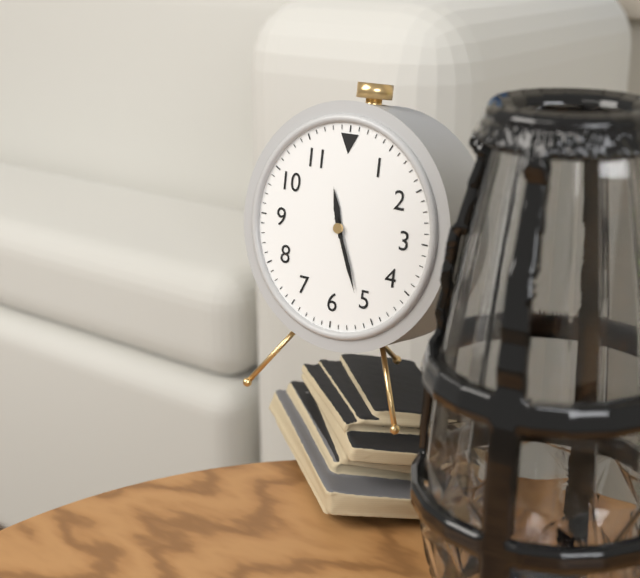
11:26
